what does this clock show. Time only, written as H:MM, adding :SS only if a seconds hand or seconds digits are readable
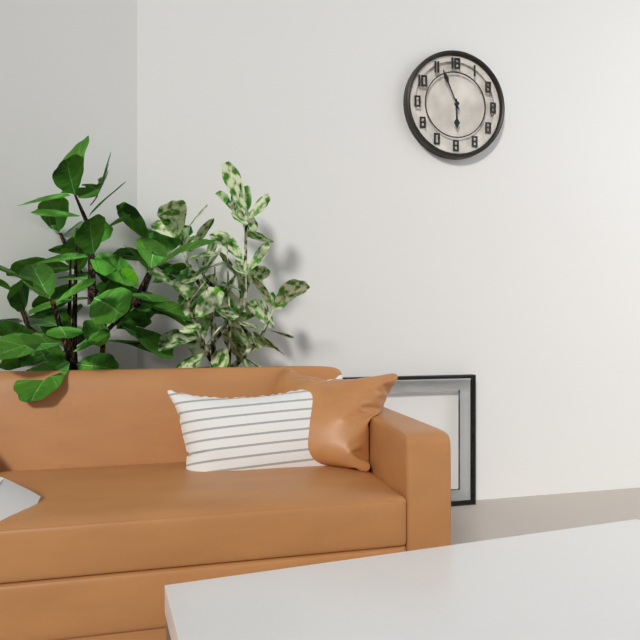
5:56
